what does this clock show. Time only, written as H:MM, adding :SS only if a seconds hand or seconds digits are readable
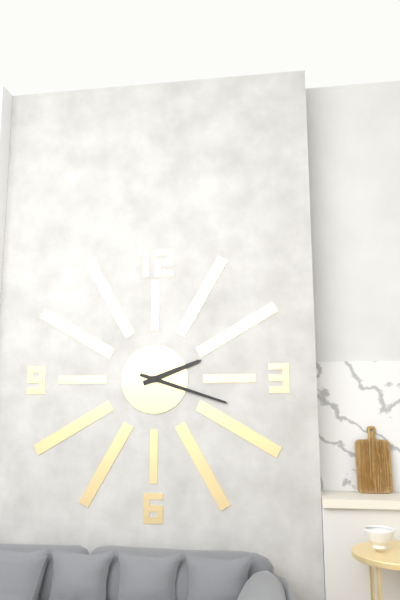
2:18
